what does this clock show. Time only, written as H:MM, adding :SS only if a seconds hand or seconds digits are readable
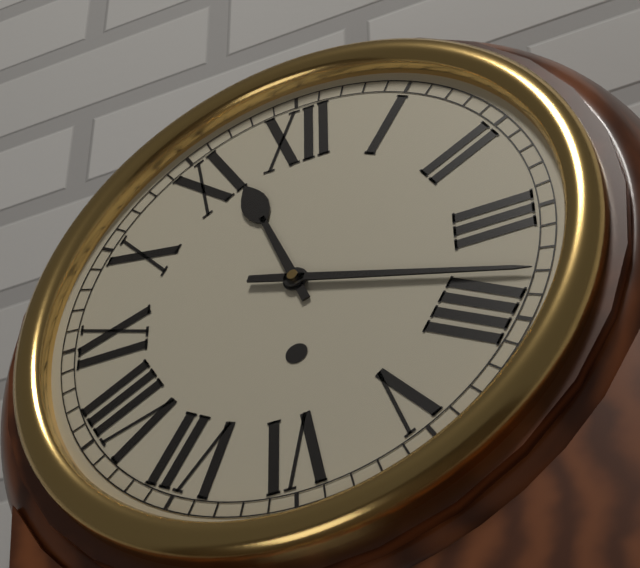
11:18
